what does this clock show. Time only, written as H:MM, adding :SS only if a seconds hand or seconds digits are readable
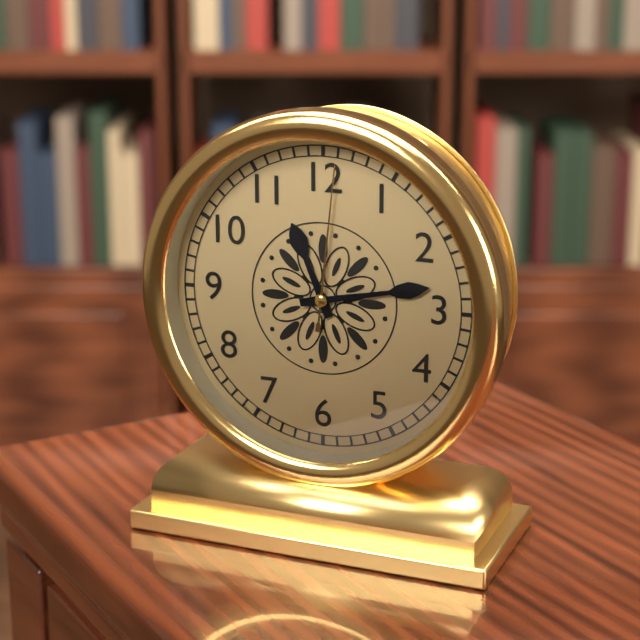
11:13:01
